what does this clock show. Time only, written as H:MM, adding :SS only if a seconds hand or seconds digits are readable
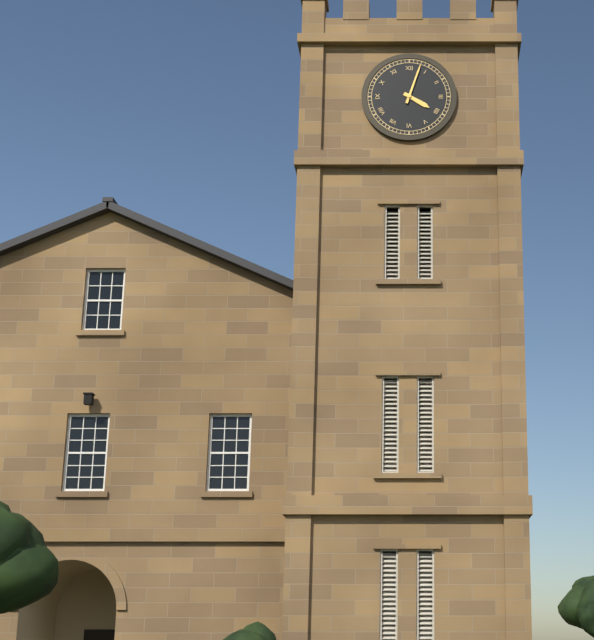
4:03
